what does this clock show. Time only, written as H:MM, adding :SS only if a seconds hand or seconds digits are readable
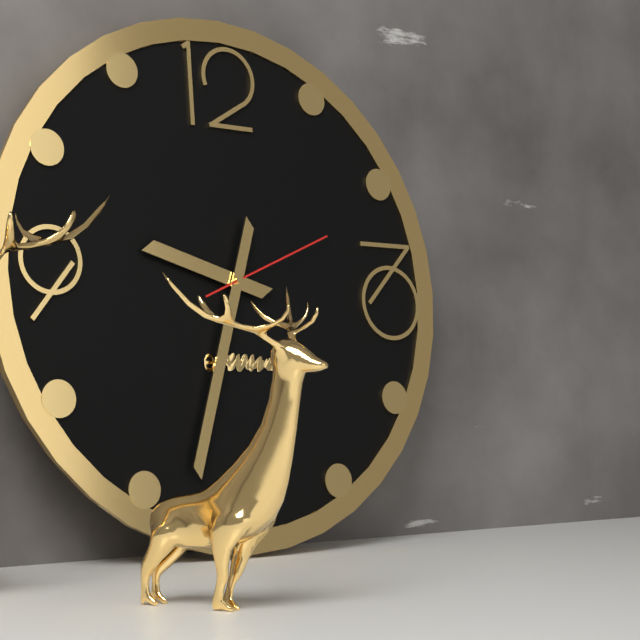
9:33:11
